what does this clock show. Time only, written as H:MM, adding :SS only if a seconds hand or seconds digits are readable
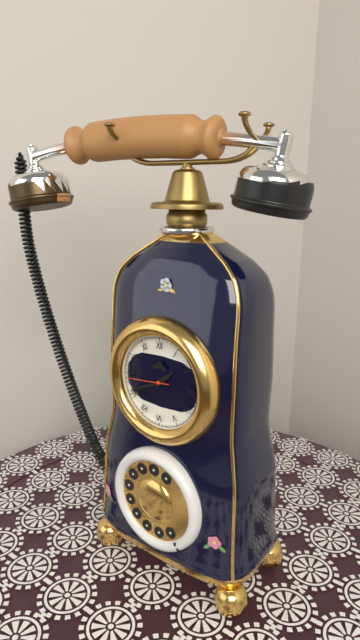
1:41
